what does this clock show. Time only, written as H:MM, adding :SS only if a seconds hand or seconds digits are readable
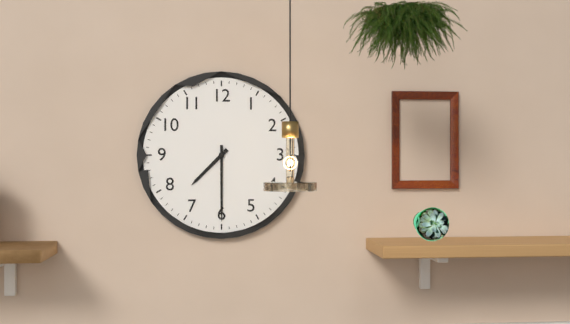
7:30
